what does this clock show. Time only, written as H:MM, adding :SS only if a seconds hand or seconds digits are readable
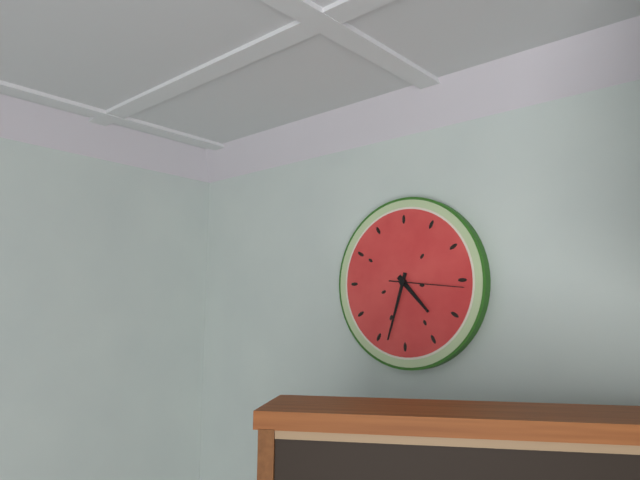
4:33:16
